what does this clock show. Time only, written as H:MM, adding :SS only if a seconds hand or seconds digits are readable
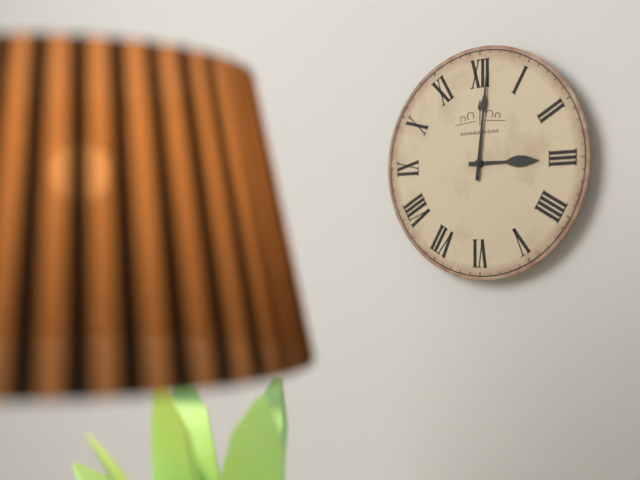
3:01
